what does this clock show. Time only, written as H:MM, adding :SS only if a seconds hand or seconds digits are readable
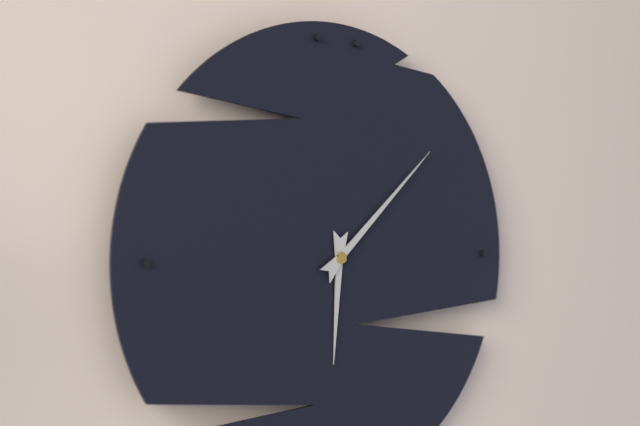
6:08
